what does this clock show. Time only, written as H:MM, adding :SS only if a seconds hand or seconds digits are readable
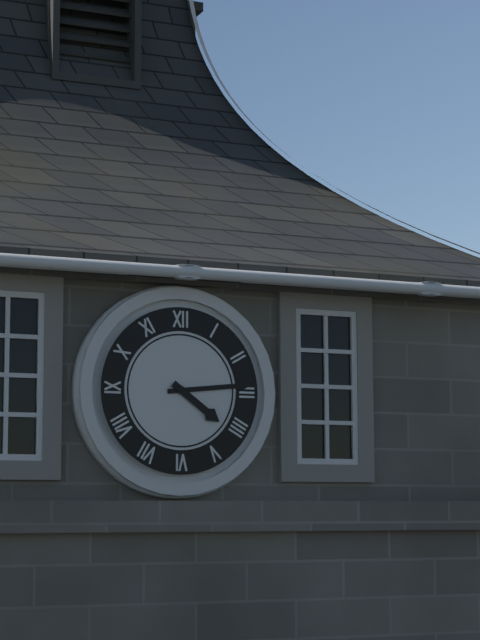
4:14
